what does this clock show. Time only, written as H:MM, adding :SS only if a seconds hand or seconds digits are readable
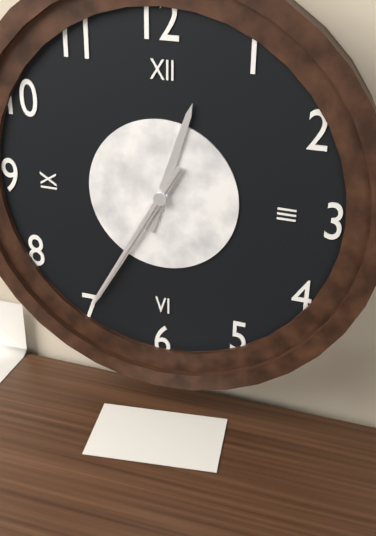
12:35:35
